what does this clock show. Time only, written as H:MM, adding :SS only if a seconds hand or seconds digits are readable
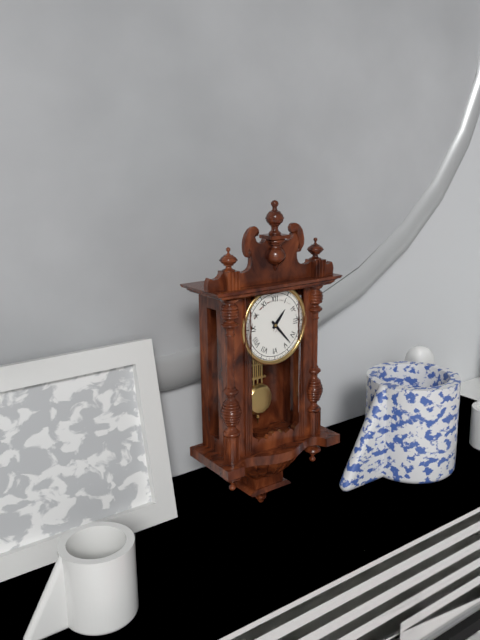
1:23
